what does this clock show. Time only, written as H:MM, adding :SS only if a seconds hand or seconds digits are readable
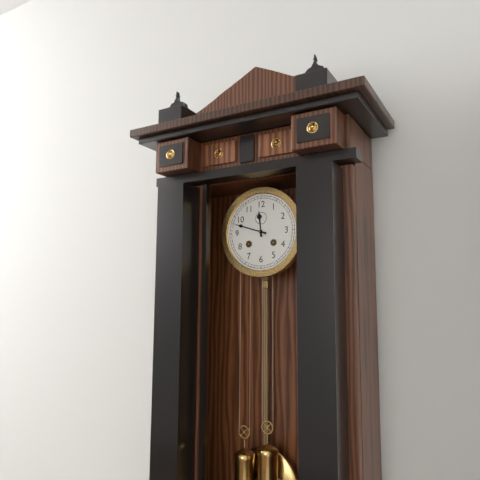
11:48
